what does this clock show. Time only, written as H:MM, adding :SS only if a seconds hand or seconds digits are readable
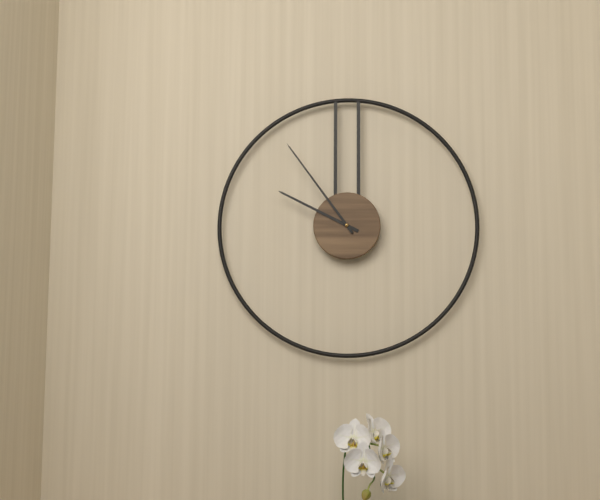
9:54
